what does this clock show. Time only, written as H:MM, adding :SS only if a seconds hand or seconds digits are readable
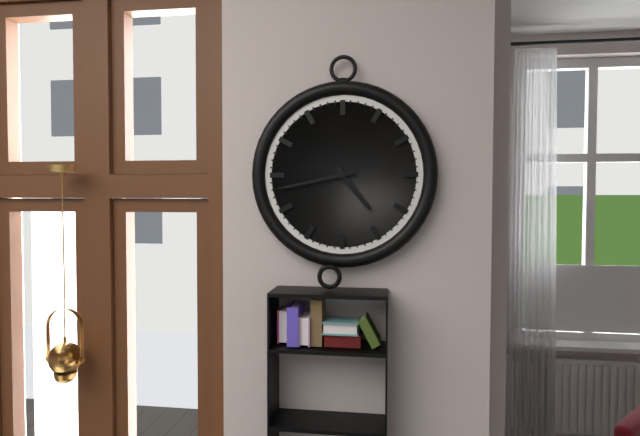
4:43
